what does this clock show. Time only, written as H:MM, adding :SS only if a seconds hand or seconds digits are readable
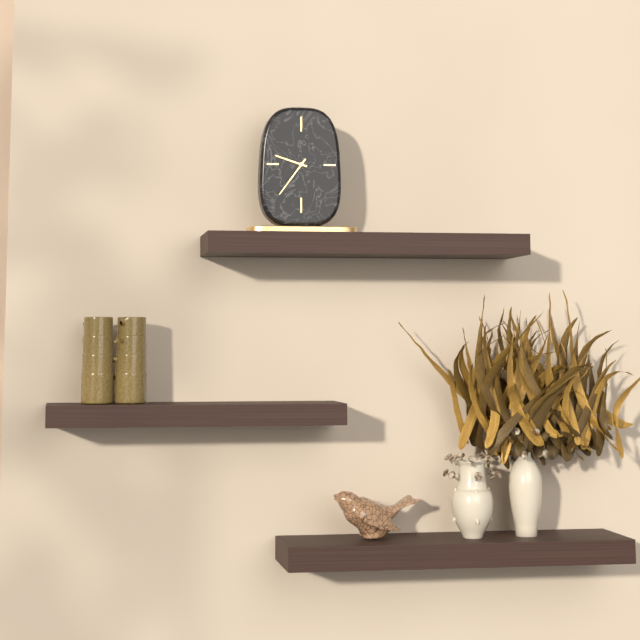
9:36
